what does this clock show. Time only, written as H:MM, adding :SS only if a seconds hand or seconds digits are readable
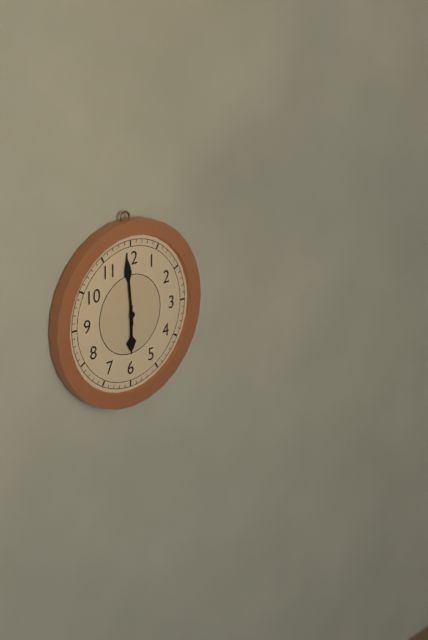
5:59
